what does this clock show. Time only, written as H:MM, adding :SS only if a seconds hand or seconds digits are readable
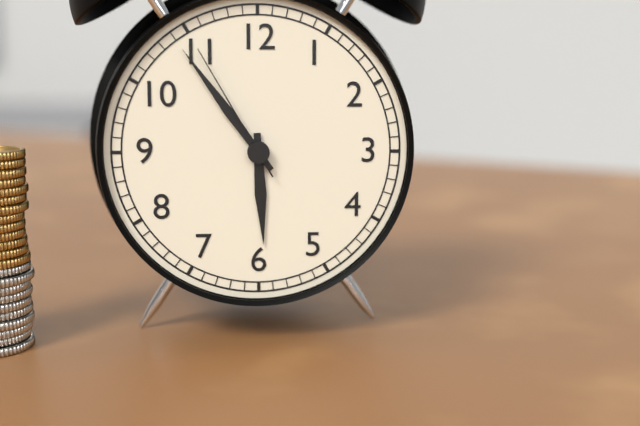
5:54:55
